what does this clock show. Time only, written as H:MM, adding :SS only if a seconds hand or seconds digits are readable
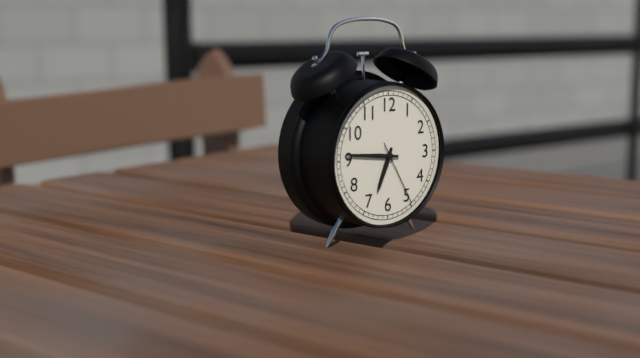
6:46:25
